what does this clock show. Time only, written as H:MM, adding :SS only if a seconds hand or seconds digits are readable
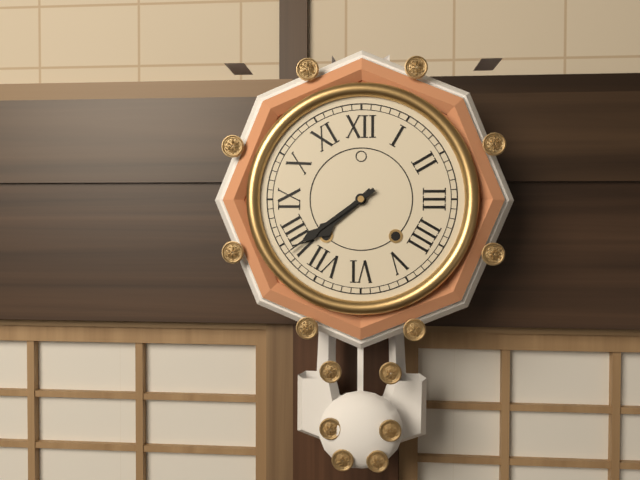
7:39
